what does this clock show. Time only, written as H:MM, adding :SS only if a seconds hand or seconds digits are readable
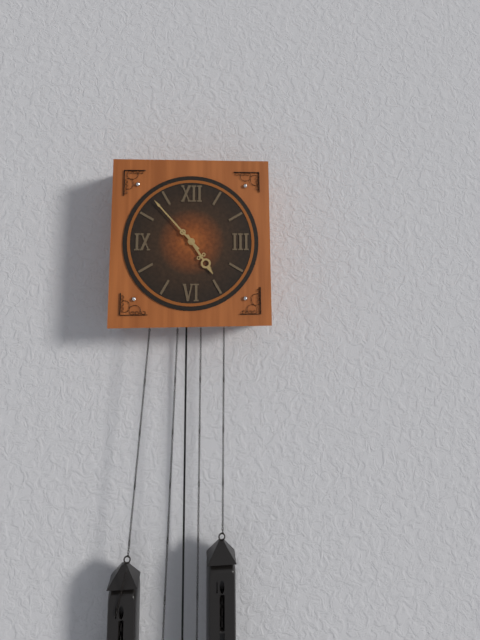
4:53
